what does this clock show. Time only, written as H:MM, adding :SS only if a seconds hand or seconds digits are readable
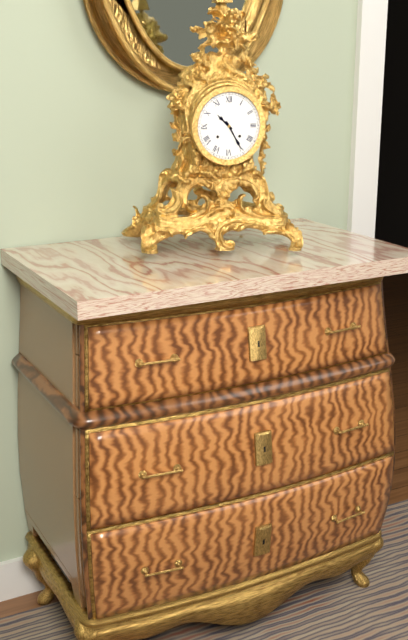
10:25
